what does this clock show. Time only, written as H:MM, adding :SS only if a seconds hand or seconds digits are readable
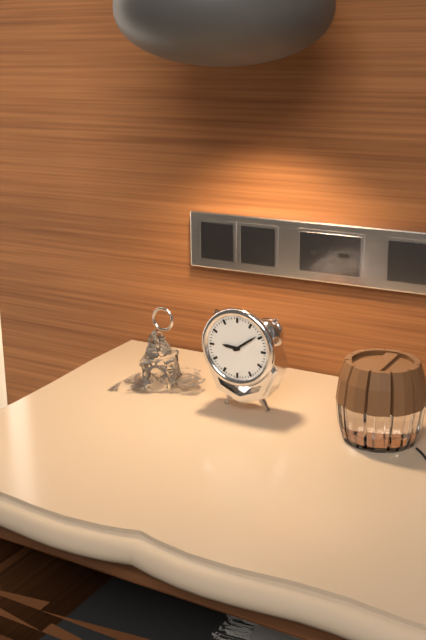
9:09
